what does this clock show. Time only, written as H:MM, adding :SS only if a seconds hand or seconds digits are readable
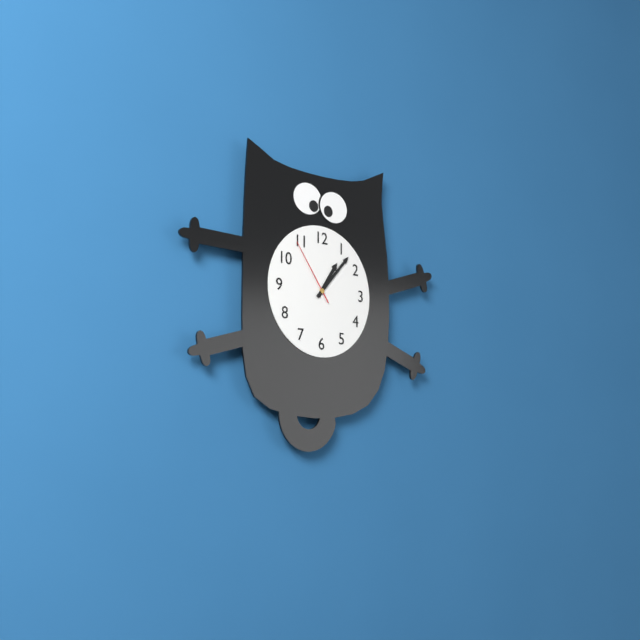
1:07:54
